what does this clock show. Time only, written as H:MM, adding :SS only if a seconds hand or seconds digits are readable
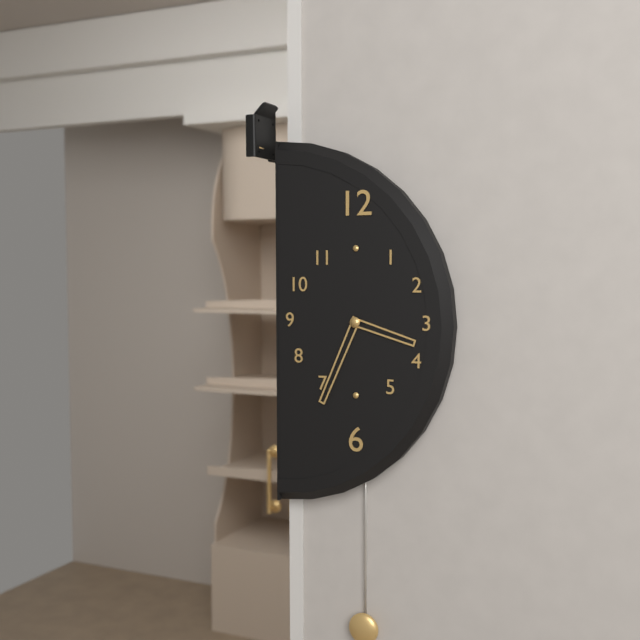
3:34
